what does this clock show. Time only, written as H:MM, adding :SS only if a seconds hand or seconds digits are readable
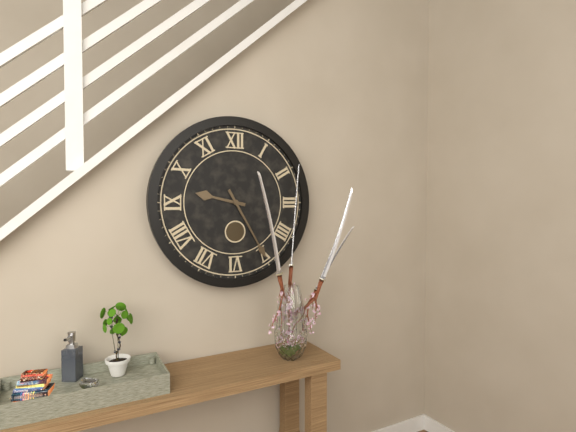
9:25
